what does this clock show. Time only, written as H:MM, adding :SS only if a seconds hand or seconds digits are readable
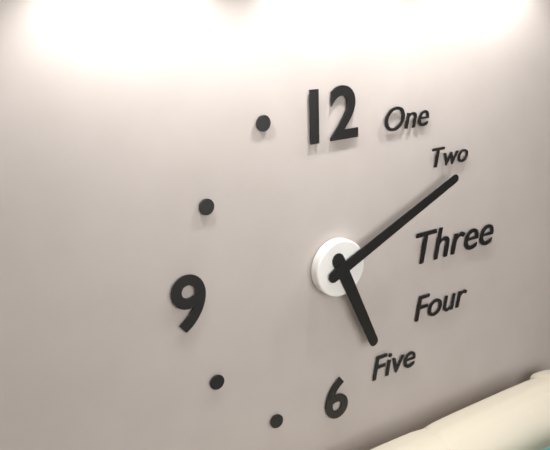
5:11
